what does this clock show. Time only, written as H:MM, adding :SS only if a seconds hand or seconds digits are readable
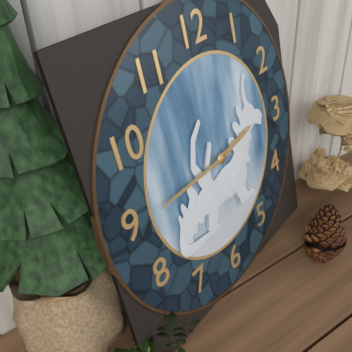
2:45
